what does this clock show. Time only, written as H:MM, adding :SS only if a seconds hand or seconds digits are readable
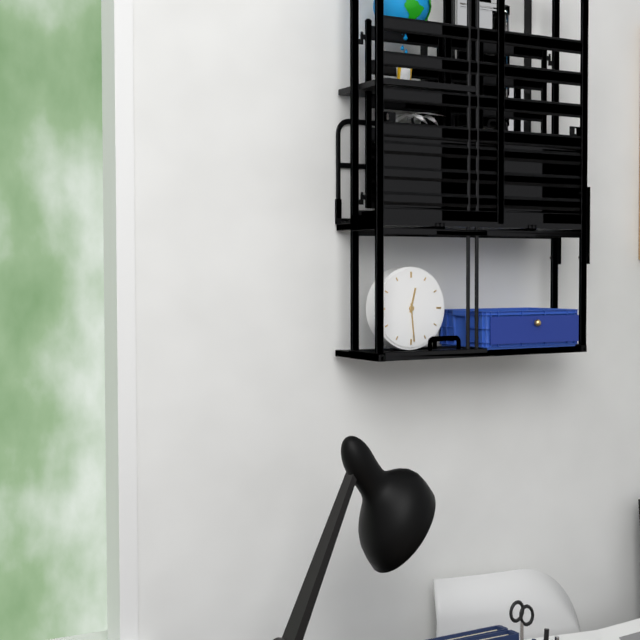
12:29
